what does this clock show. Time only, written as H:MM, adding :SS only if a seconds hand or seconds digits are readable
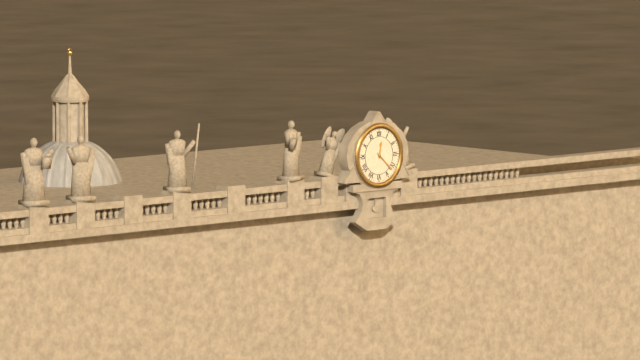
12:22
